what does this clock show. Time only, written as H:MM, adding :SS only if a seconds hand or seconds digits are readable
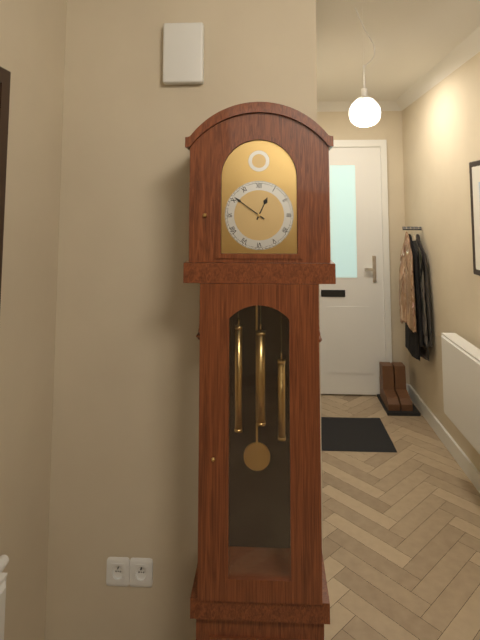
12:51
